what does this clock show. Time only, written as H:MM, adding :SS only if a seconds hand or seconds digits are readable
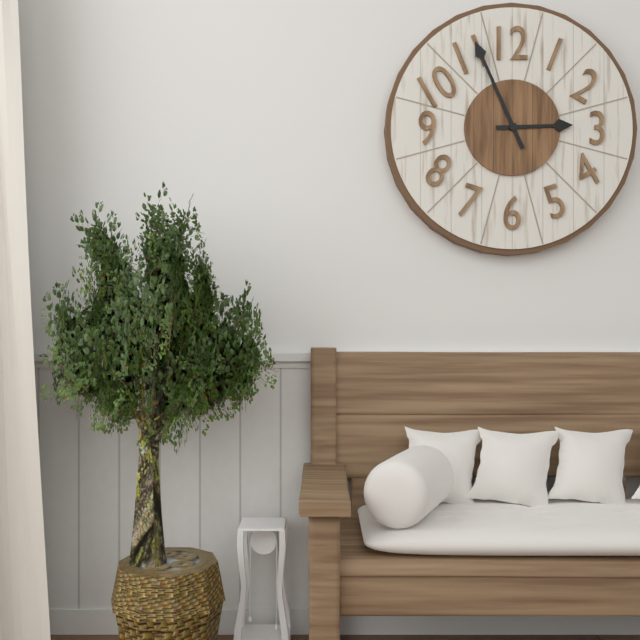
2:56
